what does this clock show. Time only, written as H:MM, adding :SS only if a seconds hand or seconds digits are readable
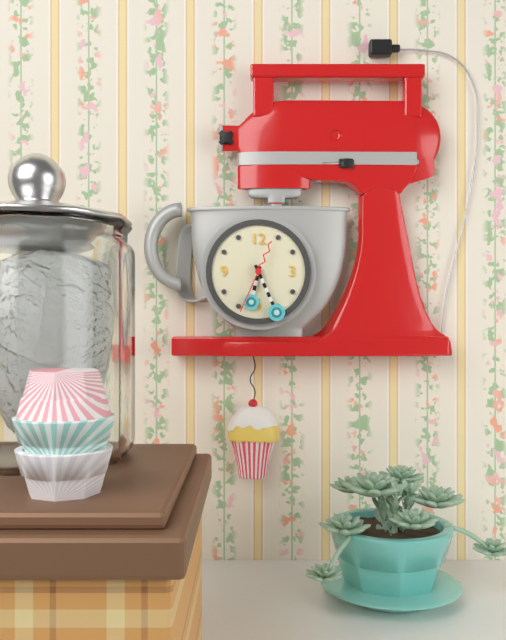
6:26:34
